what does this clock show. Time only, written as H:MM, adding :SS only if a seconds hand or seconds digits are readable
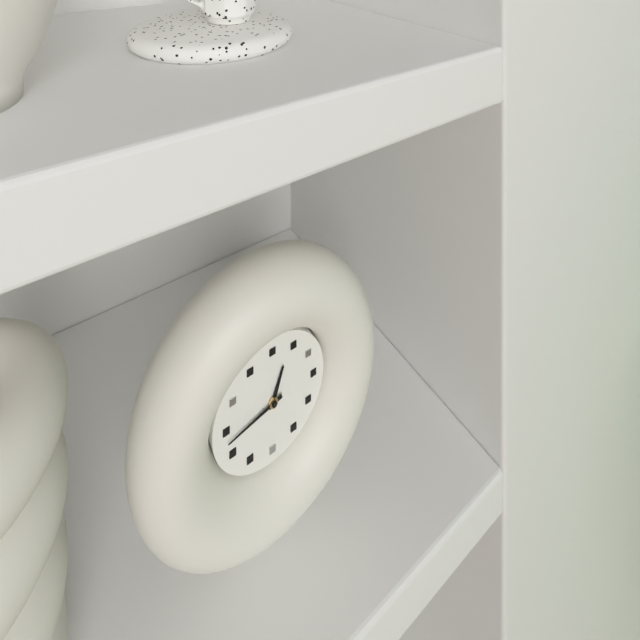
12:43
